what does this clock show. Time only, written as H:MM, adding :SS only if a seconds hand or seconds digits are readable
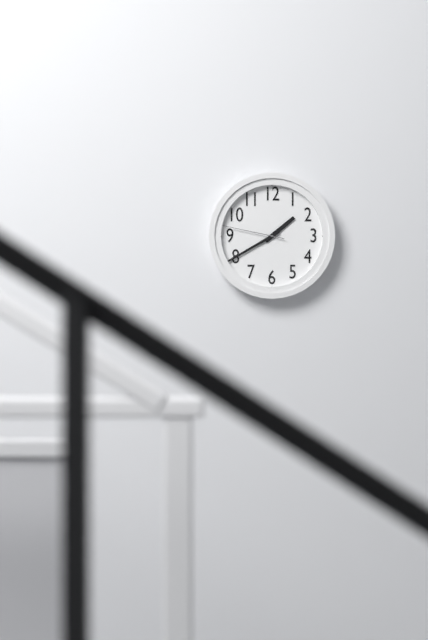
1:40:47
